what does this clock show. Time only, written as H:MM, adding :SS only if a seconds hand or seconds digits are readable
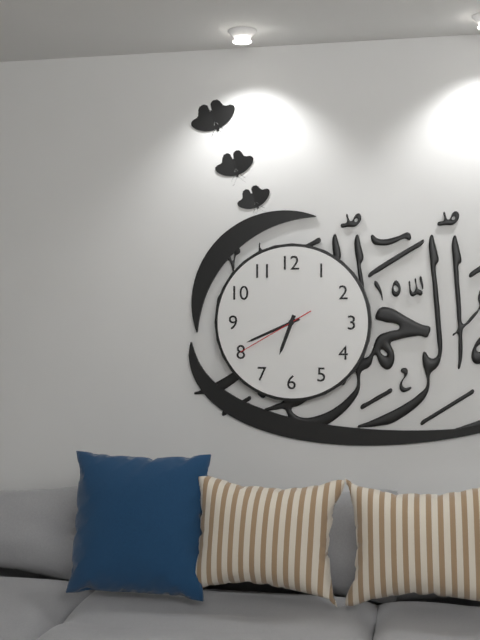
6:41:40
